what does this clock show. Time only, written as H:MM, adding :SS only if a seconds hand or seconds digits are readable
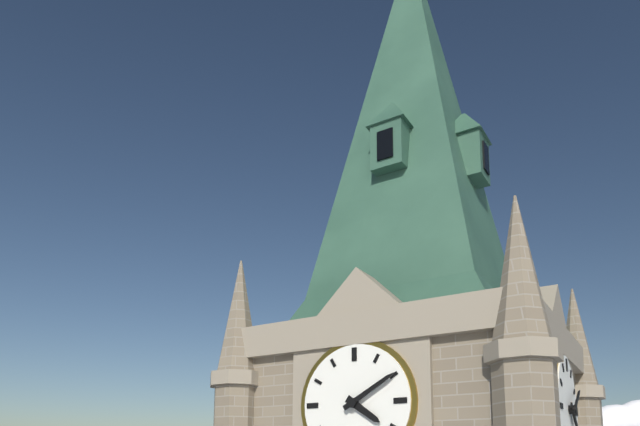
4:10
